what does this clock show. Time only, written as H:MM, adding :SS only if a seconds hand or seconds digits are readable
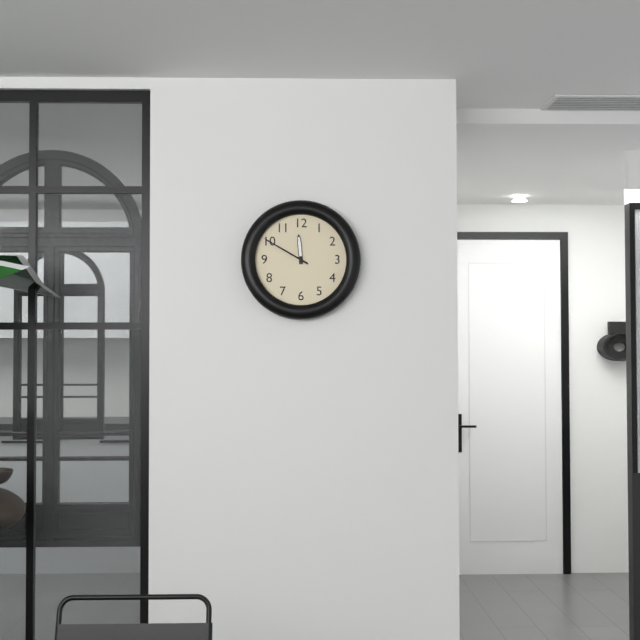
11:50
